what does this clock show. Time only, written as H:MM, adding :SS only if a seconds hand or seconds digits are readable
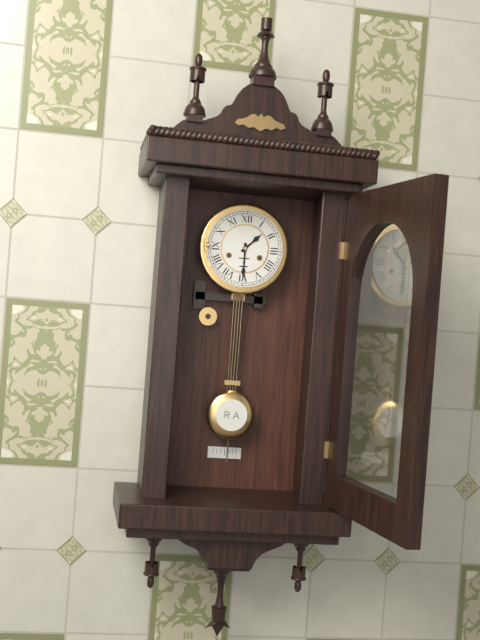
1:30
